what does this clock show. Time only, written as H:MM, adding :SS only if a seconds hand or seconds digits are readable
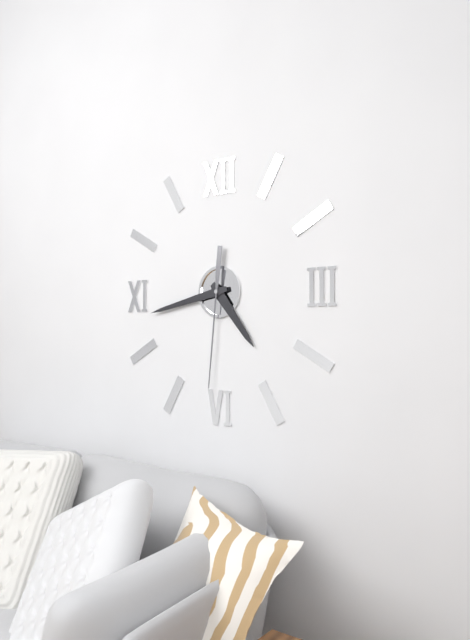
4:43:31
